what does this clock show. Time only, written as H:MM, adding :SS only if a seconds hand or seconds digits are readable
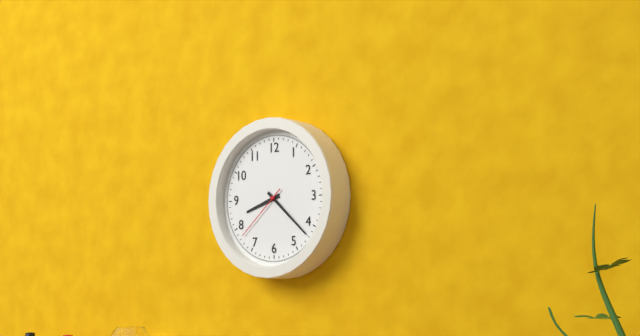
8:22:38
